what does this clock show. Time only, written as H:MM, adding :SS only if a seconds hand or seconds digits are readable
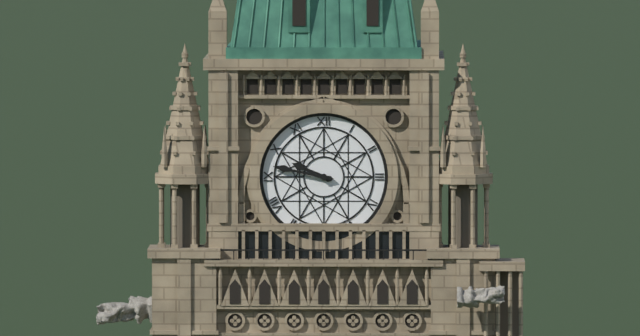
9:47
